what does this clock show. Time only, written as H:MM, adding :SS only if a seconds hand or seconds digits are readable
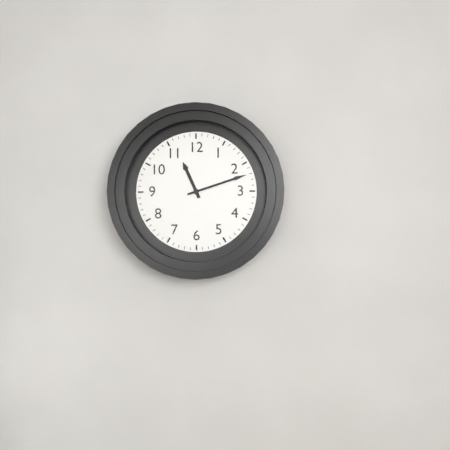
11:12
